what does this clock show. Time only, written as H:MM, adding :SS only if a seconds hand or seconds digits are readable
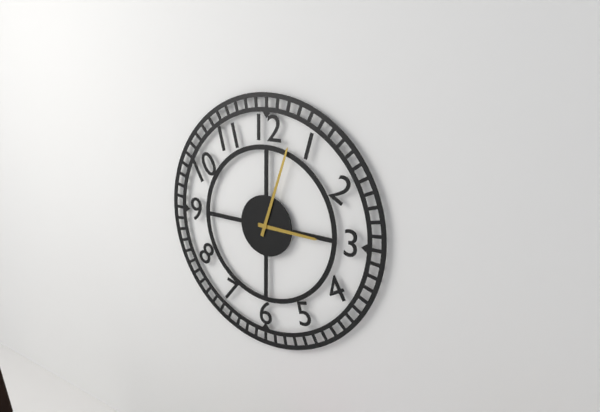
3:03
